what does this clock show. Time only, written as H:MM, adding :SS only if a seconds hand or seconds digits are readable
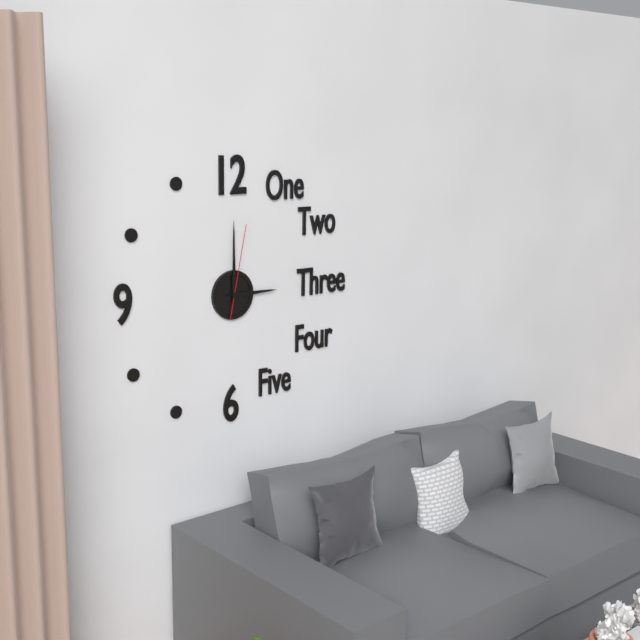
3:00:02
